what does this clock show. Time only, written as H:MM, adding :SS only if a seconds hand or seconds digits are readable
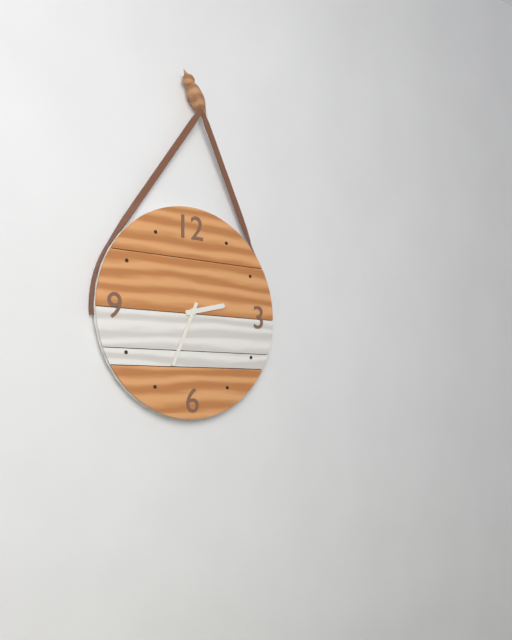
2:34
